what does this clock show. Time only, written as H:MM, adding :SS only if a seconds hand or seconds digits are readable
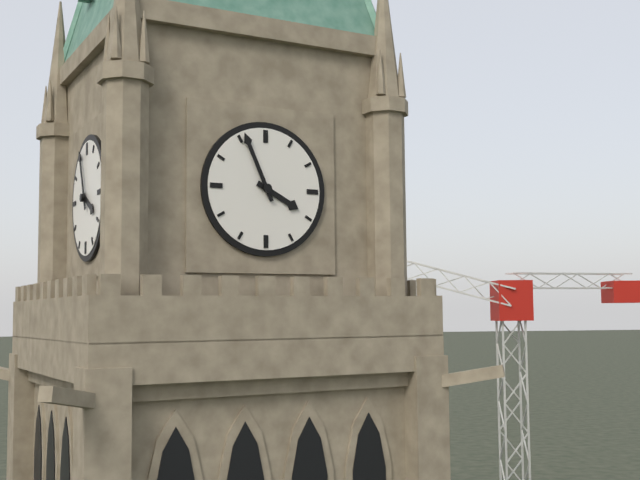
3:56
